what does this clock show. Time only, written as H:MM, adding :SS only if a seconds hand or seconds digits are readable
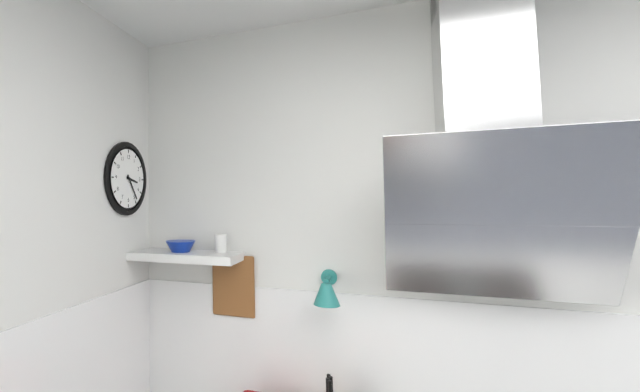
3:24
